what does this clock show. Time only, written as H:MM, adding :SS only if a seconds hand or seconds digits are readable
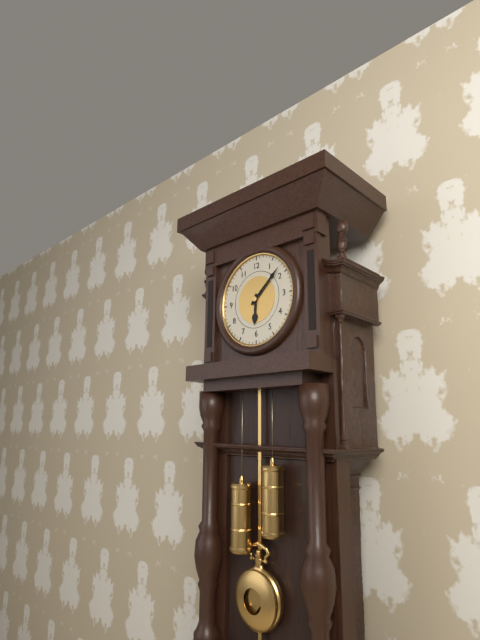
6:08
